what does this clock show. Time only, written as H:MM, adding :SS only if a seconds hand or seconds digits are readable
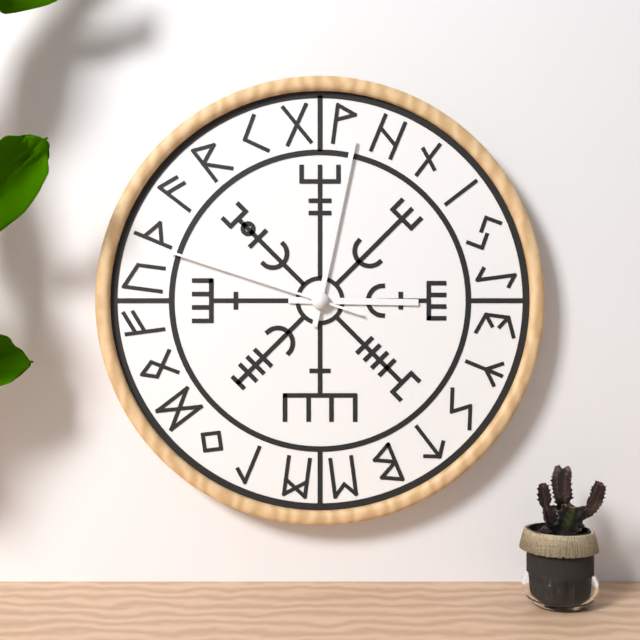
3:02:48
